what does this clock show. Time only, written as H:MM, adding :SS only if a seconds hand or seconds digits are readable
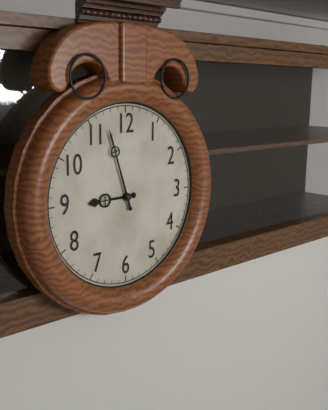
8:57
